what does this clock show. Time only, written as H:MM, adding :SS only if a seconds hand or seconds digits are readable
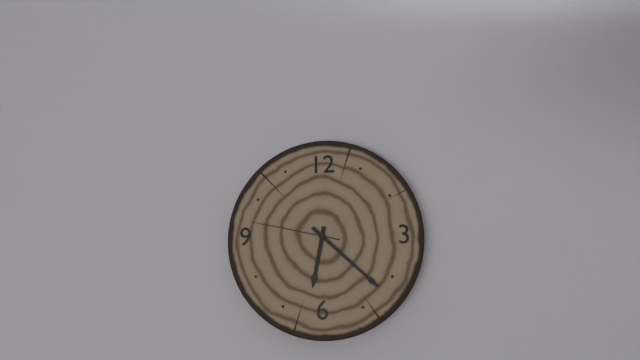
6:22:47
